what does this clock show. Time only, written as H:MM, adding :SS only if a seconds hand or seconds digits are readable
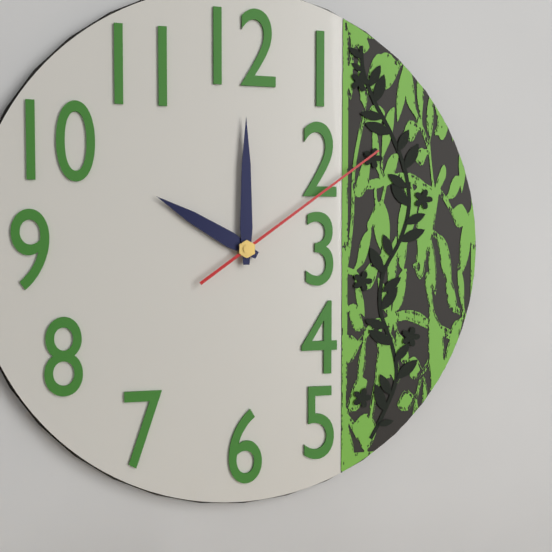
10:00:09
